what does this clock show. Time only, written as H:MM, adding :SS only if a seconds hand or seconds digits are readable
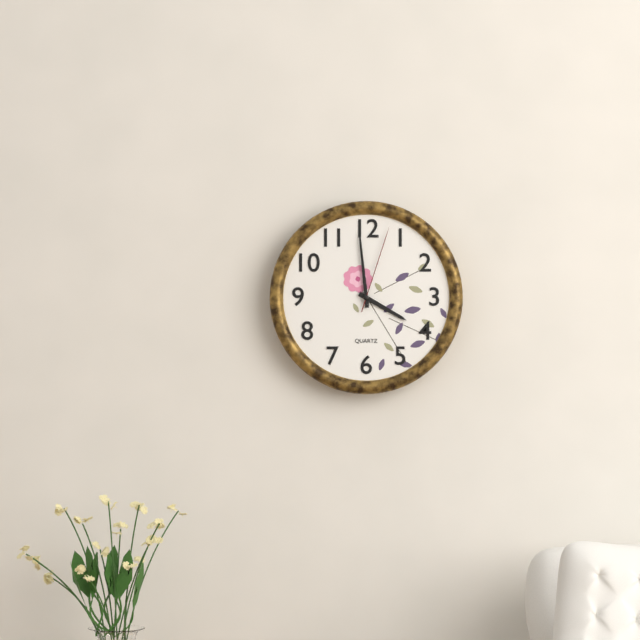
3:59:03
